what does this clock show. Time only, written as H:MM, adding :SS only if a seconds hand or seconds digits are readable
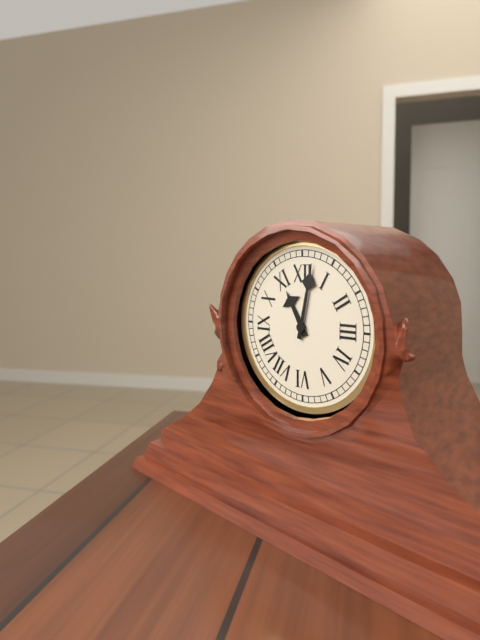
11:02
